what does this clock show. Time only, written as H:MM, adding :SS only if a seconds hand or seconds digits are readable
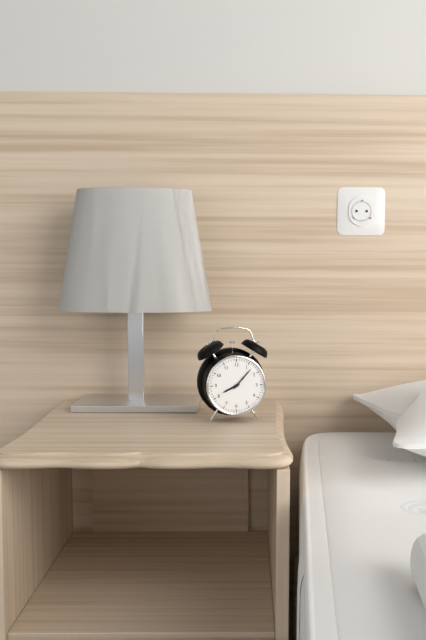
8:07
